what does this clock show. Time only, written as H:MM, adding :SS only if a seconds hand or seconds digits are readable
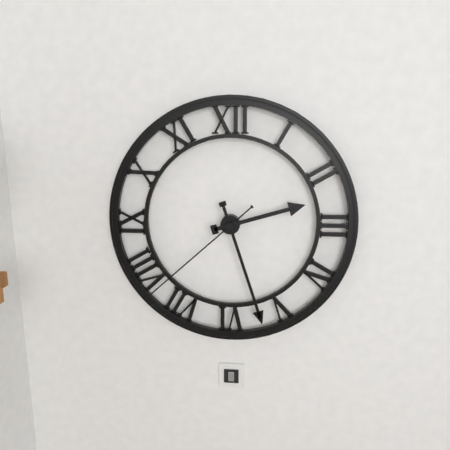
2:27:38
